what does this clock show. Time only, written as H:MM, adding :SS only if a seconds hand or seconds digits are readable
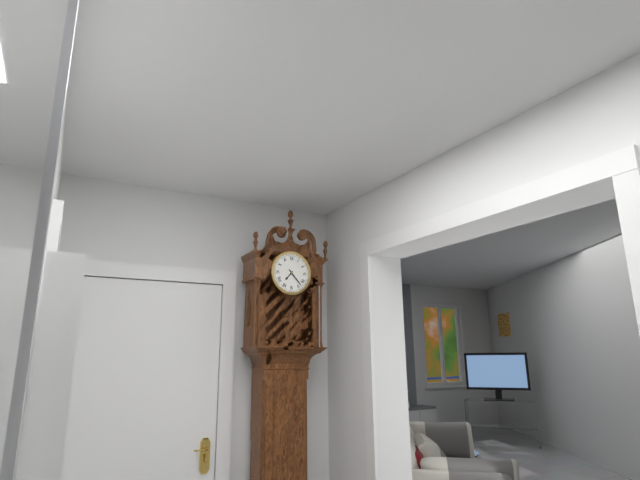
7:23
